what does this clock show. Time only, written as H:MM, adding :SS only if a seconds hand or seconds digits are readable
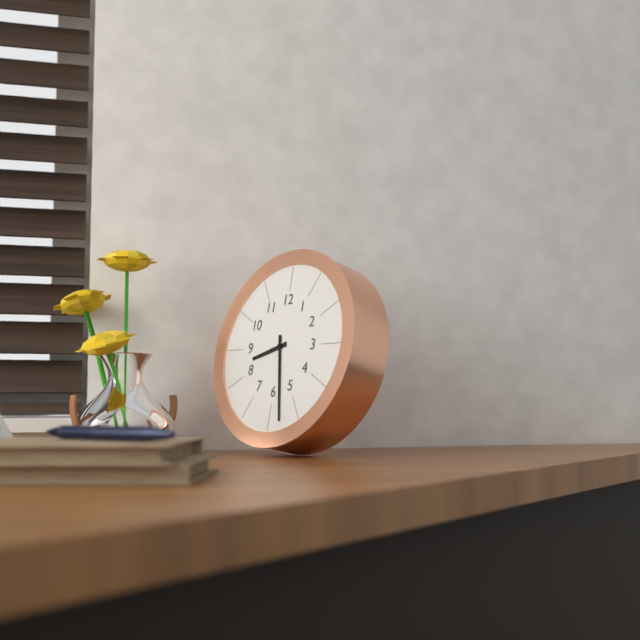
8:28
